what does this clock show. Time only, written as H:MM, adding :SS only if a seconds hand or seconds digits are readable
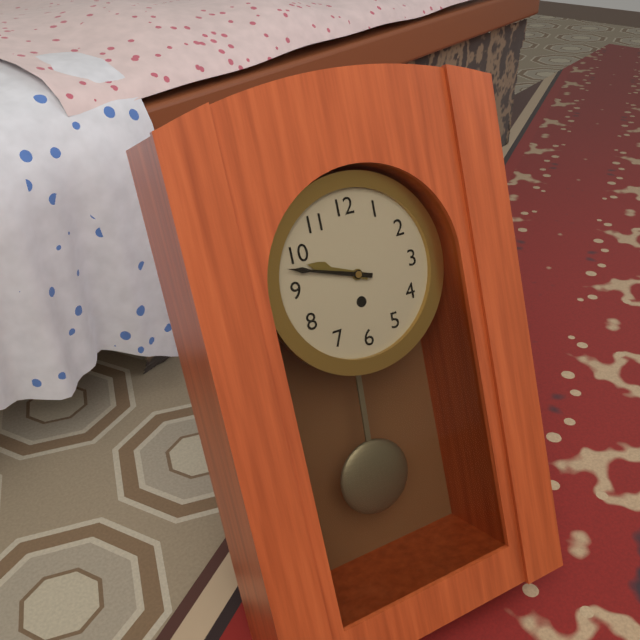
9:48
